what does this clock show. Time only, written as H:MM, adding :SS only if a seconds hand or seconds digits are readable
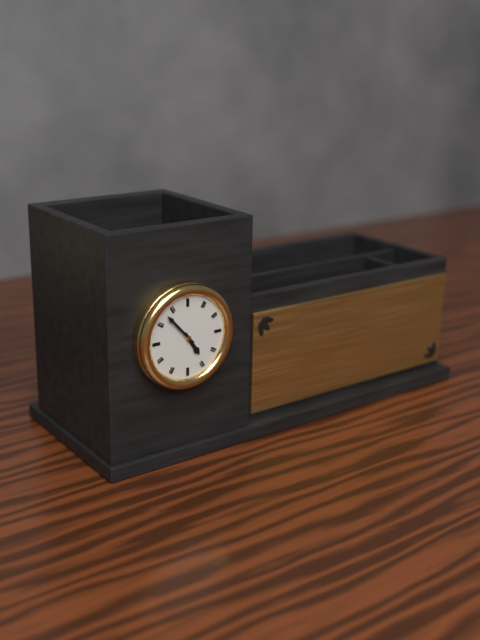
4:53
